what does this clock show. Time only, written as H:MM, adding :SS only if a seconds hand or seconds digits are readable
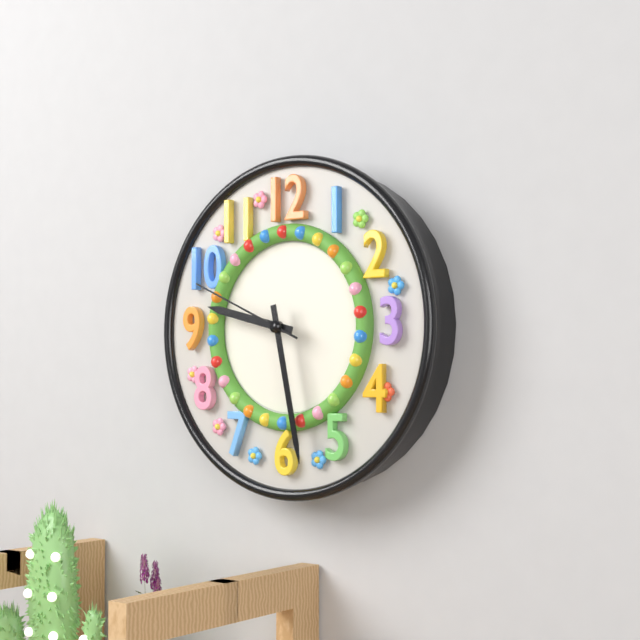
9:28:49
